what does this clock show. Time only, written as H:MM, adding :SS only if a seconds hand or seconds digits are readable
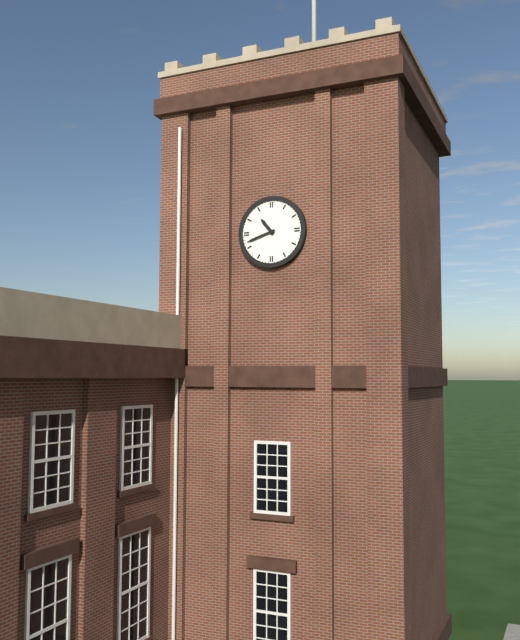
10:42
